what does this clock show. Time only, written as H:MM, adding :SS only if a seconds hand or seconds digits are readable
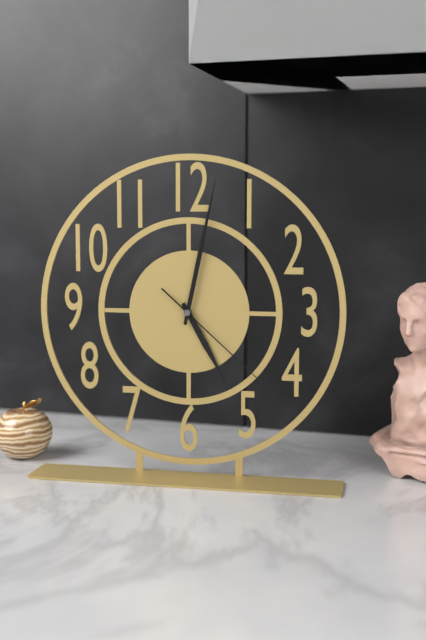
5:02:22
